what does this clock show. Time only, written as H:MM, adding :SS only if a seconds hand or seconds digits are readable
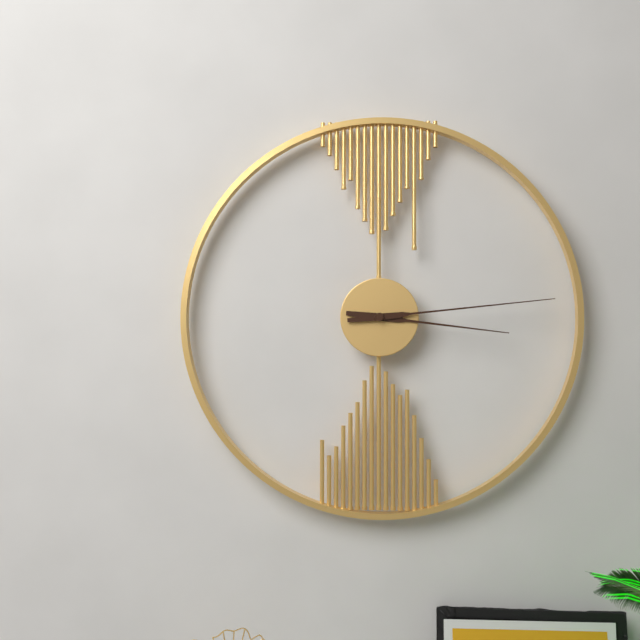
3:14
